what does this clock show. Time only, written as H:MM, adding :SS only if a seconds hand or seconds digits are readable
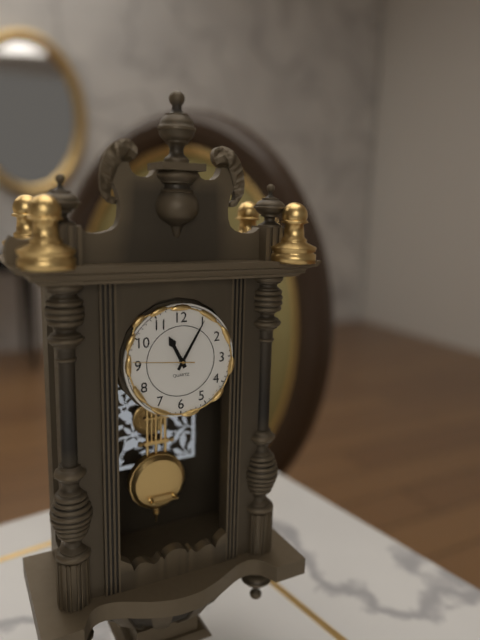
11:05:46
